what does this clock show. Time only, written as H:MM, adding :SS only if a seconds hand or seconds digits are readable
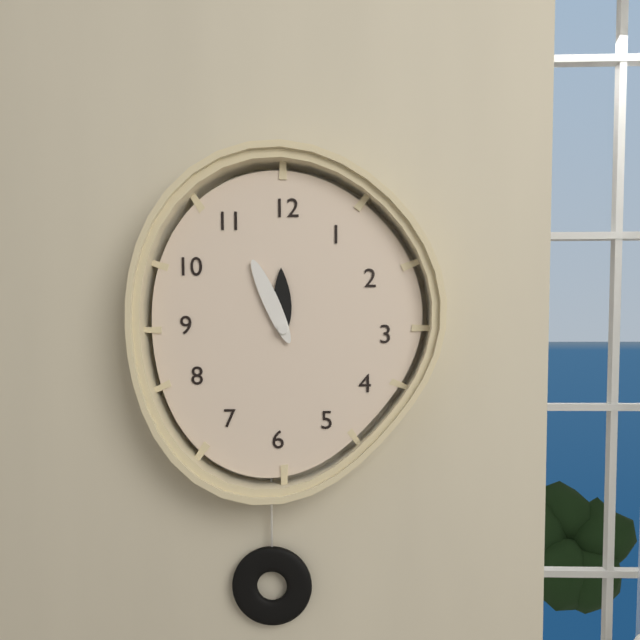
11:56
